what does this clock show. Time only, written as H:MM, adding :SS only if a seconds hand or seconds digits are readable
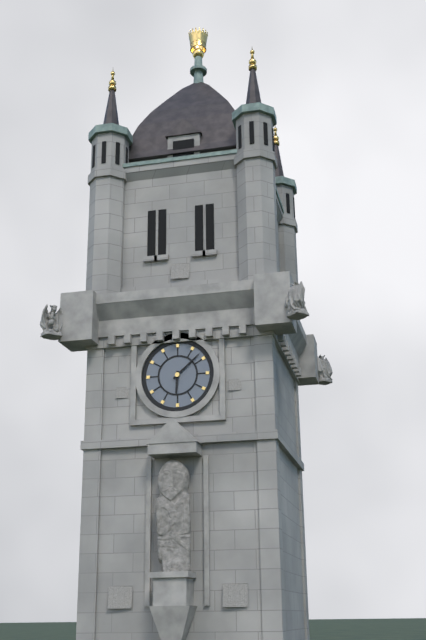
6:08
